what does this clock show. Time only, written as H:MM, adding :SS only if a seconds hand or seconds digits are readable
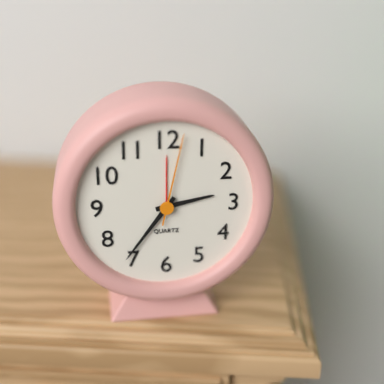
2:36:02
